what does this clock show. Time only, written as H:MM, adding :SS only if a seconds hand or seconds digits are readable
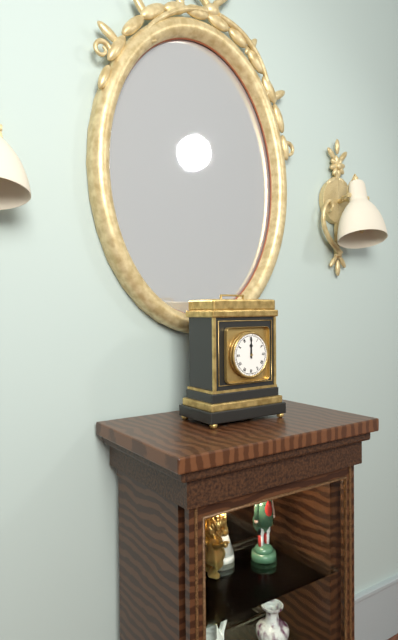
12:00
